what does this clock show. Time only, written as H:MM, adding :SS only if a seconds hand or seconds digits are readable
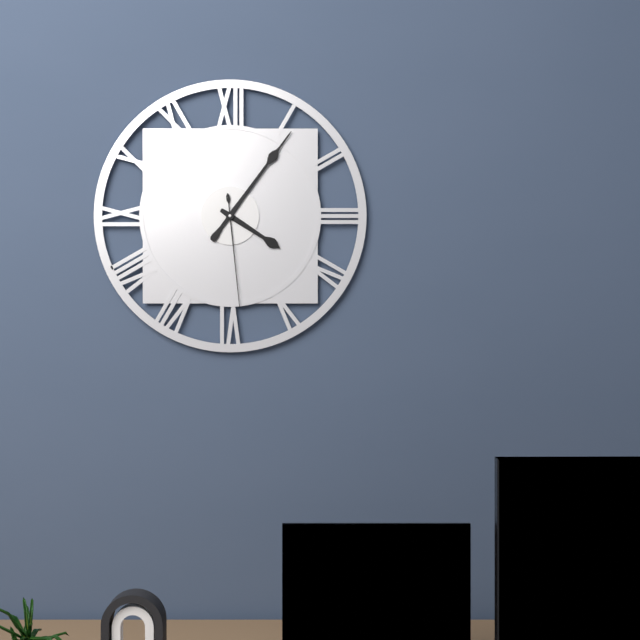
4:06:29
